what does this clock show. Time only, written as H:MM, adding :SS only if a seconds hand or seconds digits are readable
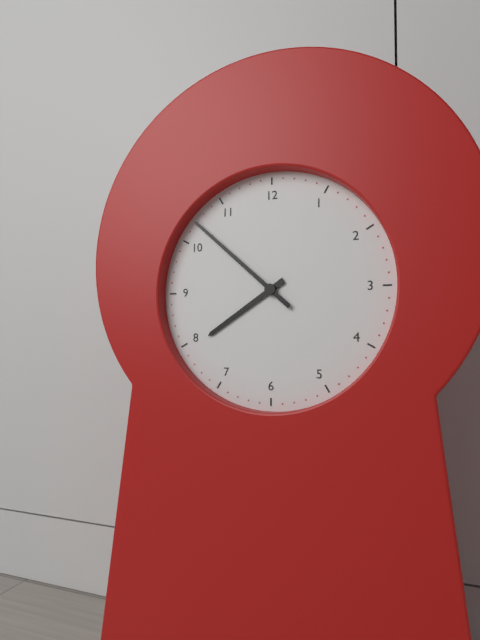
7:52
